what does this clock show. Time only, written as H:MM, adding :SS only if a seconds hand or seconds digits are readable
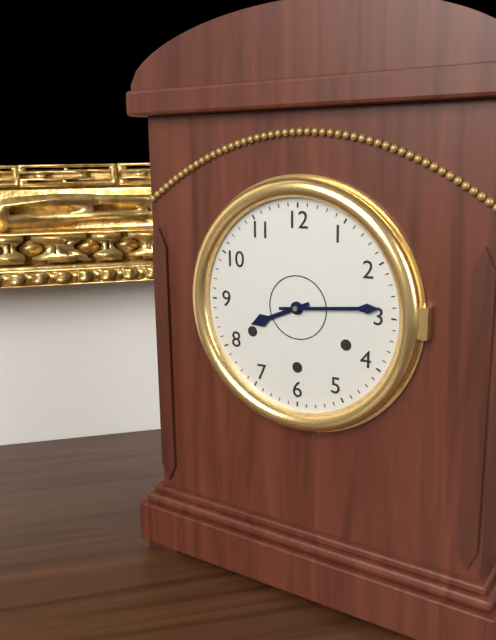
8:14
